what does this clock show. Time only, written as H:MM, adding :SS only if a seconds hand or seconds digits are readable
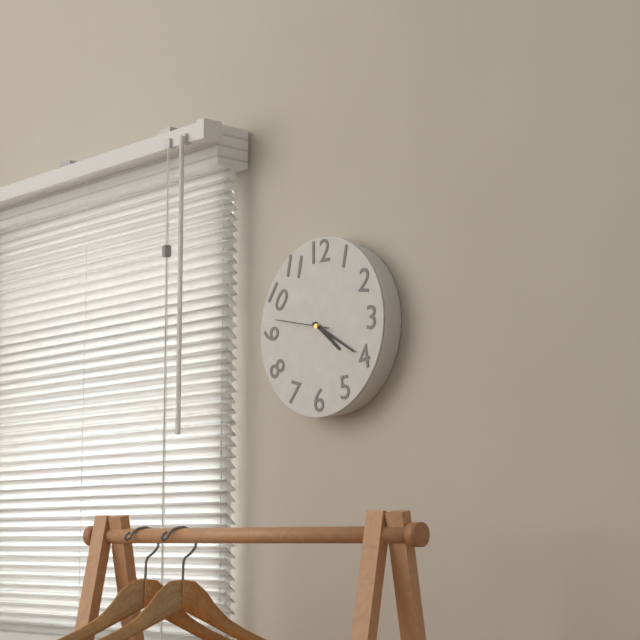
4:20:47
